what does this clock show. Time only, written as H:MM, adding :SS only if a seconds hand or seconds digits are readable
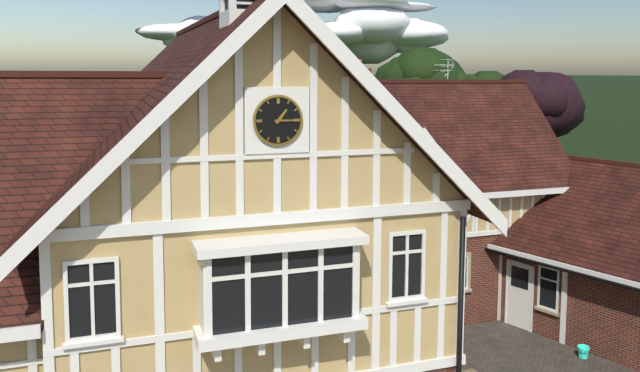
1:15
